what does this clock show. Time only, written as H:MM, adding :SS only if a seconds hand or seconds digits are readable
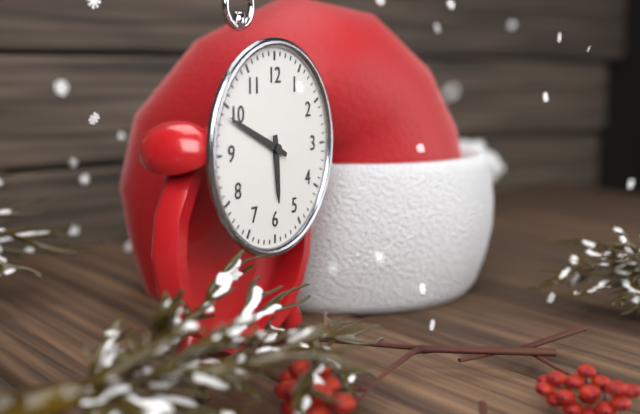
5:49
